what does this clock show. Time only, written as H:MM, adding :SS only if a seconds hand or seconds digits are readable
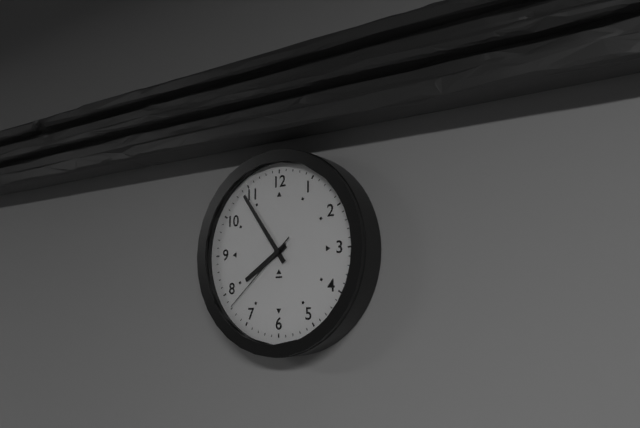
7:54:38
